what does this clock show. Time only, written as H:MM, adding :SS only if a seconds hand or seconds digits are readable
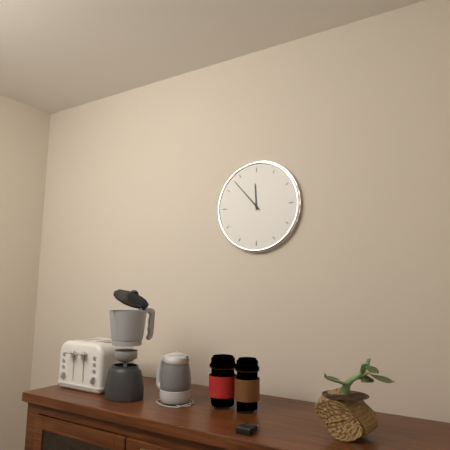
11:53
